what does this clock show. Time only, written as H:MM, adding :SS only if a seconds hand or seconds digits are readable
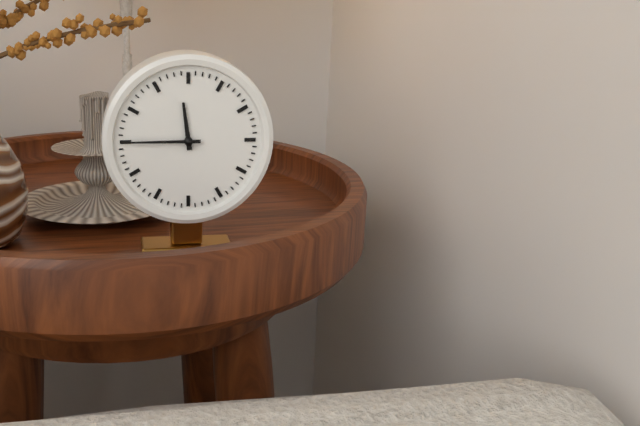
11:45
